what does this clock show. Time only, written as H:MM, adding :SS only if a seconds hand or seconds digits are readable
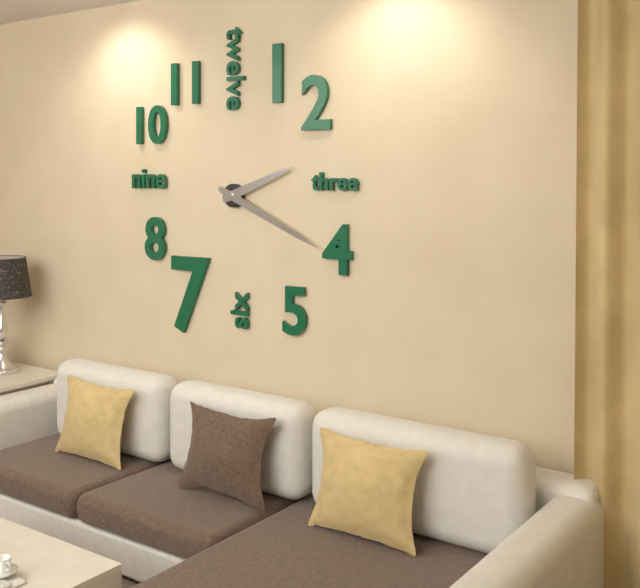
2:19
